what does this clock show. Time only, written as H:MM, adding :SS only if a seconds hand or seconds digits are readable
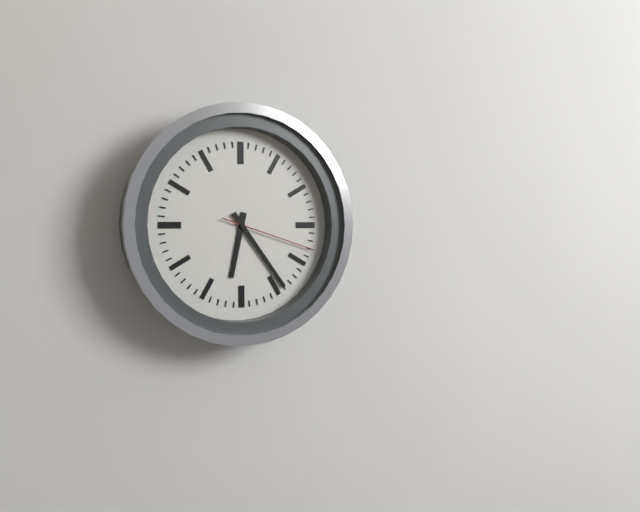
6:24:18
